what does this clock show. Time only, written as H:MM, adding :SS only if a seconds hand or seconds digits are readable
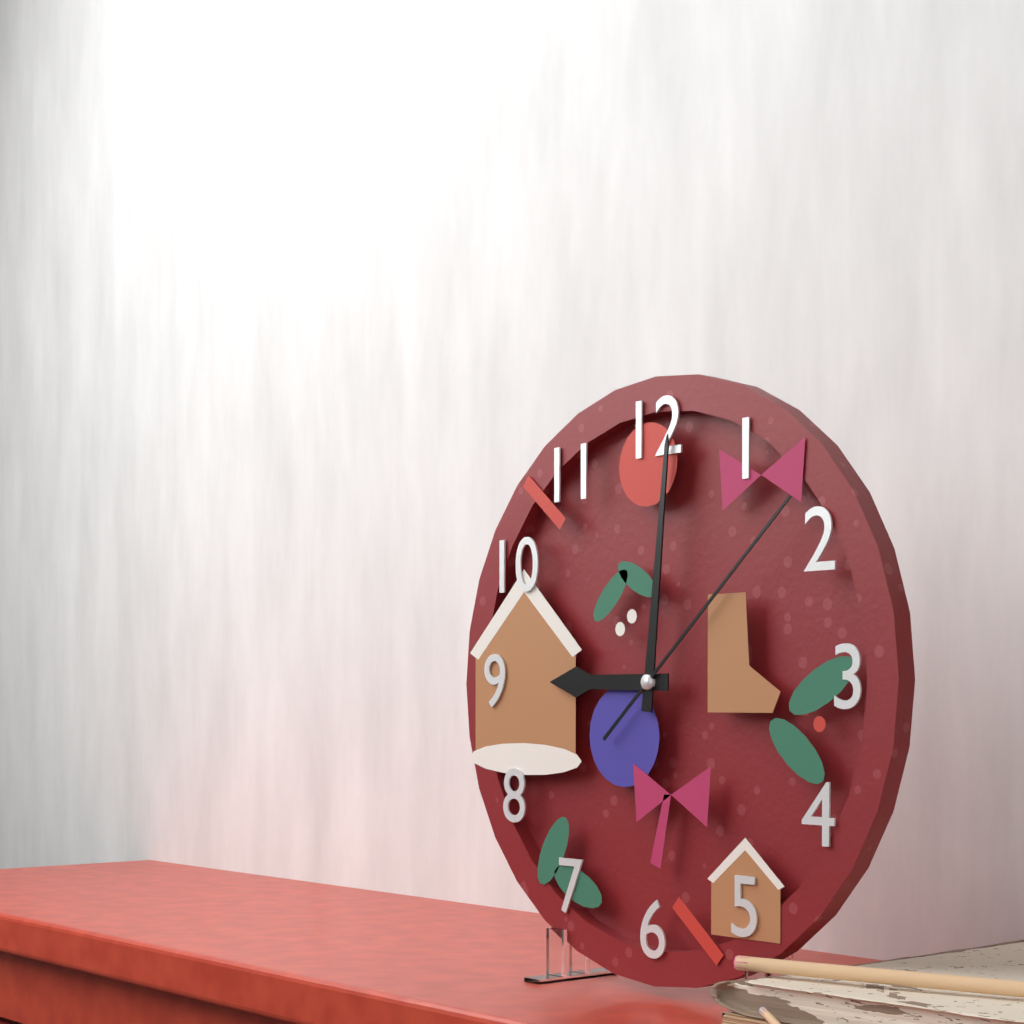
9:01:08
